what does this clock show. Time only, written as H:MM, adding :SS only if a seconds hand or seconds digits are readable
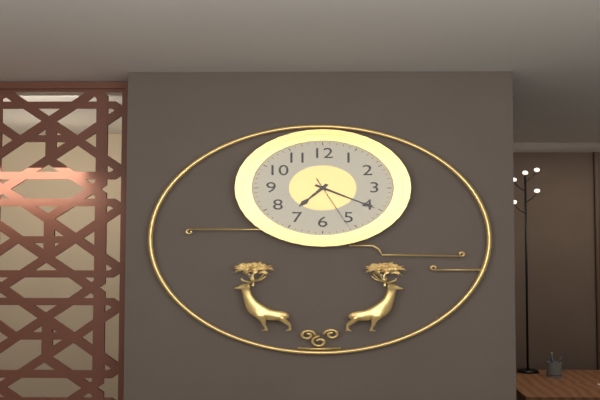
7:20:26
